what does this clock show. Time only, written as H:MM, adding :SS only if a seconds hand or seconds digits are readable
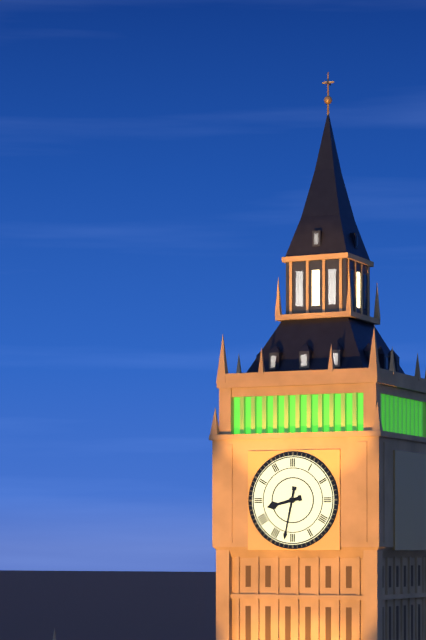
8:32
